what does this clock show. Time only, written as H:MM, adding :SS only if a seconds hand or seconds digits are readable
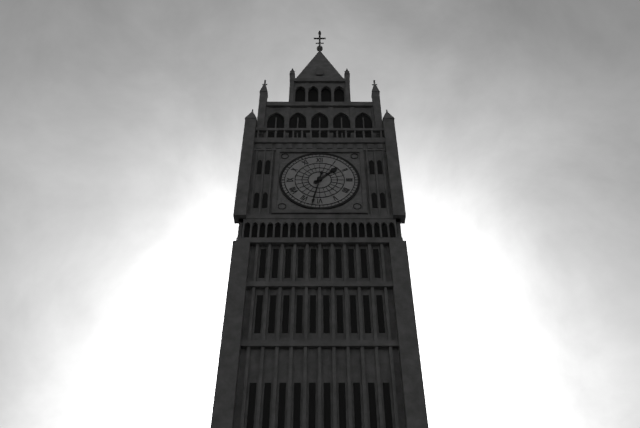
1:32
